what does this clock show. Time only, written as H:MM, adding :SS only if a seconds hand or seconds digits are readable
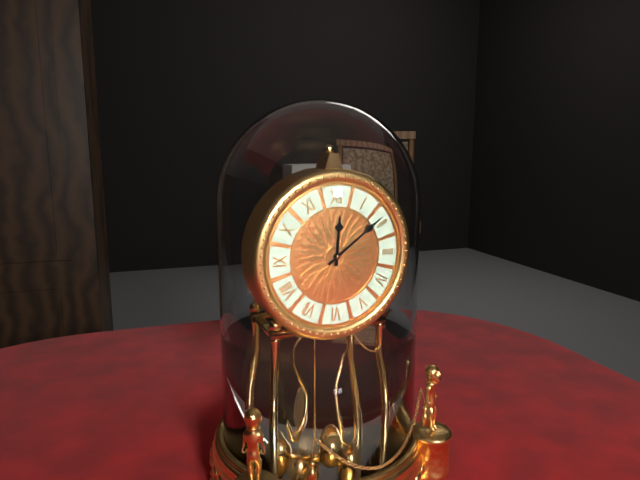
12:09
